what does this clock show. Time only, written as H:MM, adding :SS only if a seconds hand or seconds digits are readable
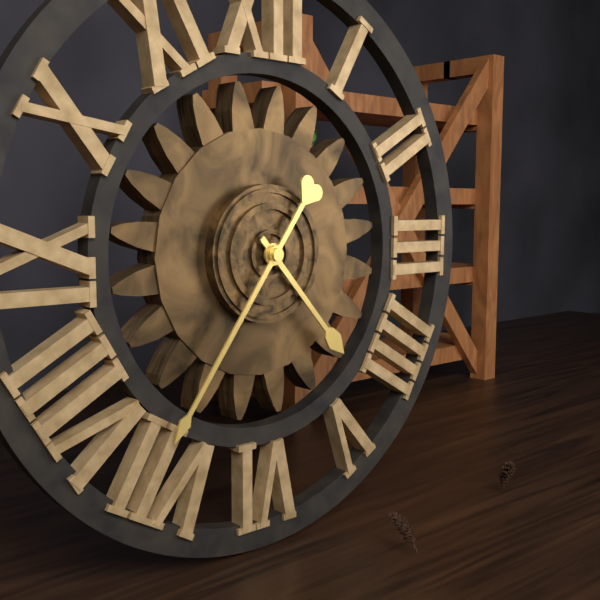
4:36
